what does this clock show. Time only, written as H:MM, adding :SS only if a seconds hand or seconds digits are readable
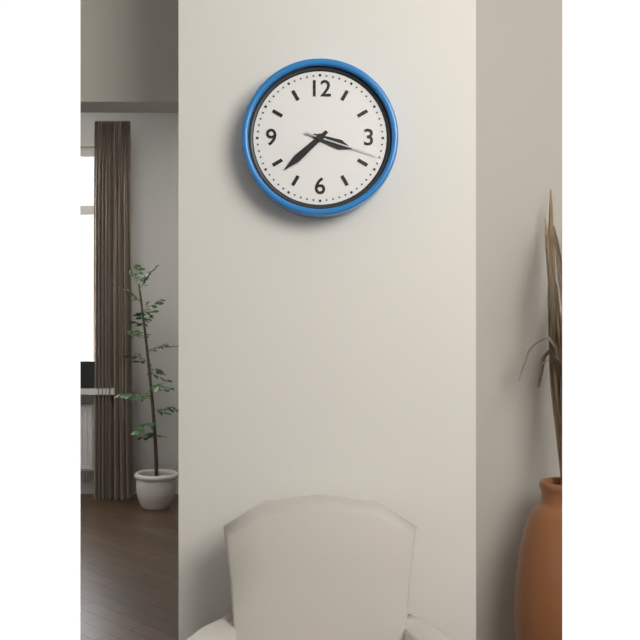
3:38:18
